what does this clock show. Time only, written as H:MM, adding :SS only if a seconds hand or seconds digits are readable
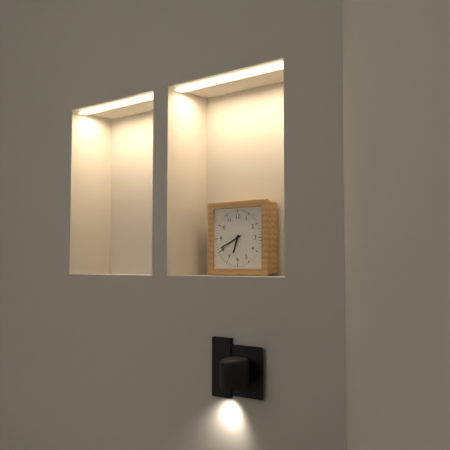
6:41
